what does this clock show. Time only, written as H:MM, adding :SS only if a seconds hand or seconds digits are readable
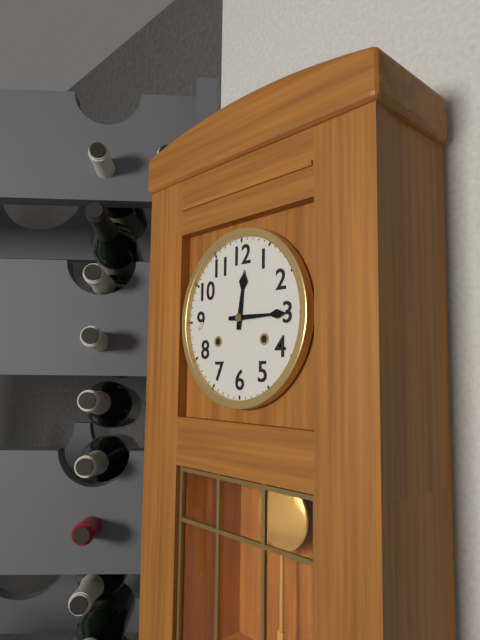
12:15
